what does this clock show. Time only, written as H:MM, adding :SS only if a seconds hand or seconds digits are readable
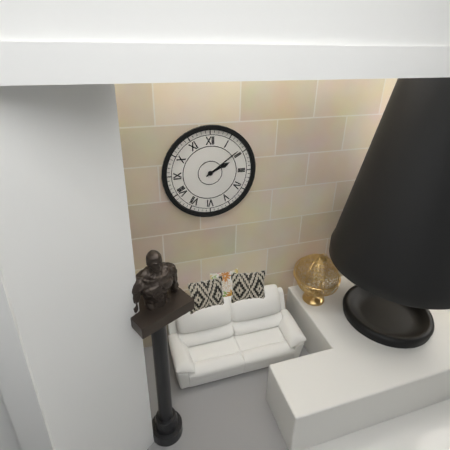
2:09
